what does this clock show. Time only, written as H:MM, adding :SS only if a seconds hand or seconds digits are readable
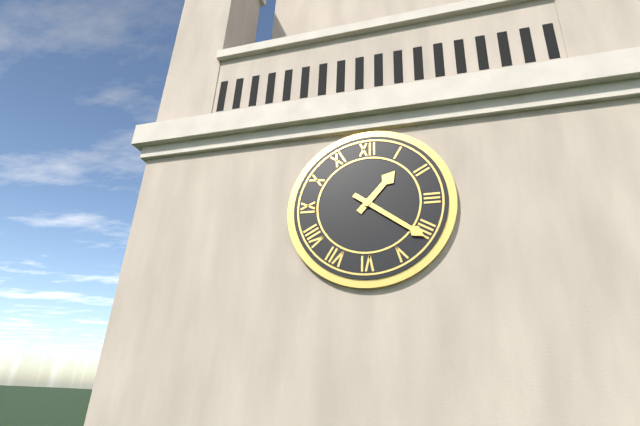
1:21
